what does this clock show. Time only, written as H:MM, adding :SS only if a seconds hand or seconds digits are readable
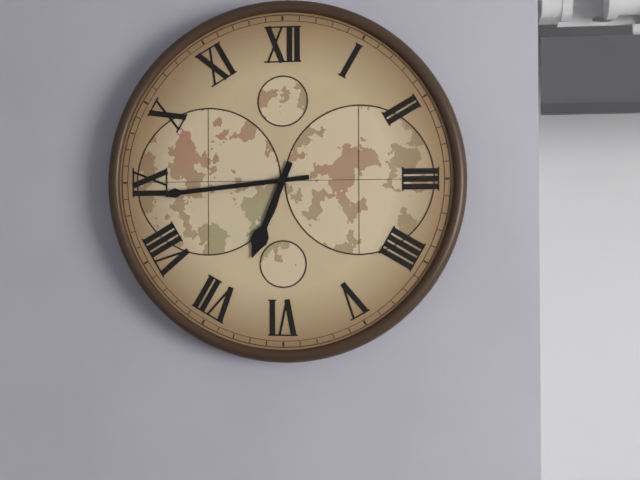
6:44
